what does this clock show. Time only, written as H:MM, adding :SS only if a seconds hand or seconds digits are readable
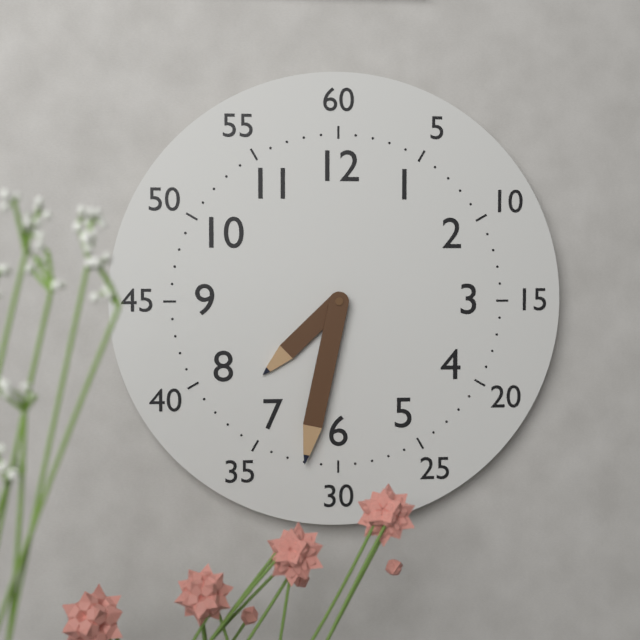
7:32
